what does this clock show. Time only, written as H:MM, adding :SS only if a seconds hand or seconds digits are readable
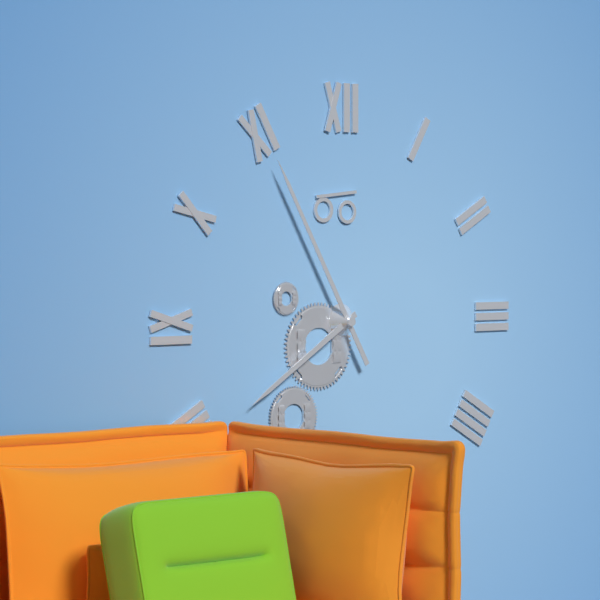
7:55
